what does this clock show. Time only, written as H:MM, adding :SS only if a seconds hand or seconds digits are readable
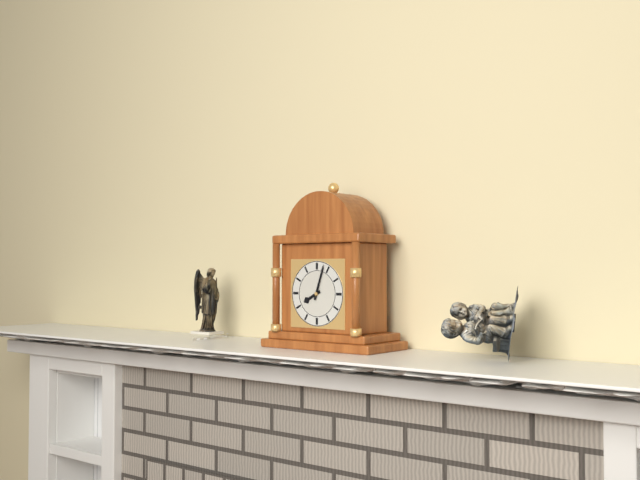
8:03
